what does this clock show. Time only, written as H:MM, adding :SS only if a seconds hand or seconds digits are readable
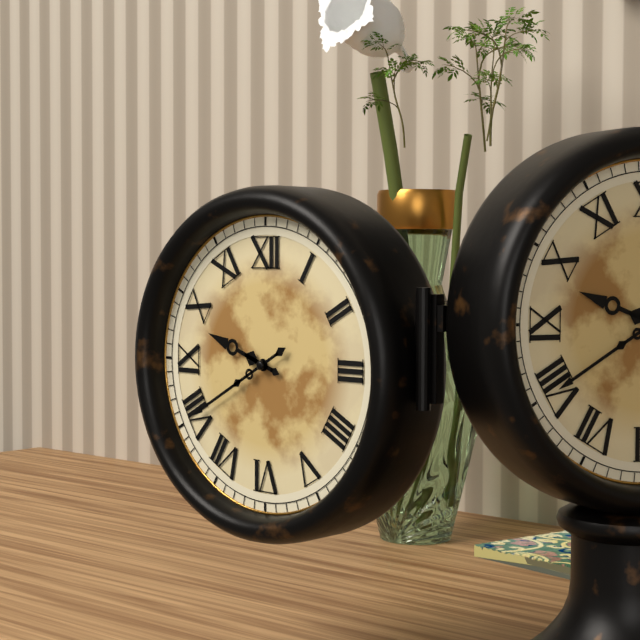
9:40
